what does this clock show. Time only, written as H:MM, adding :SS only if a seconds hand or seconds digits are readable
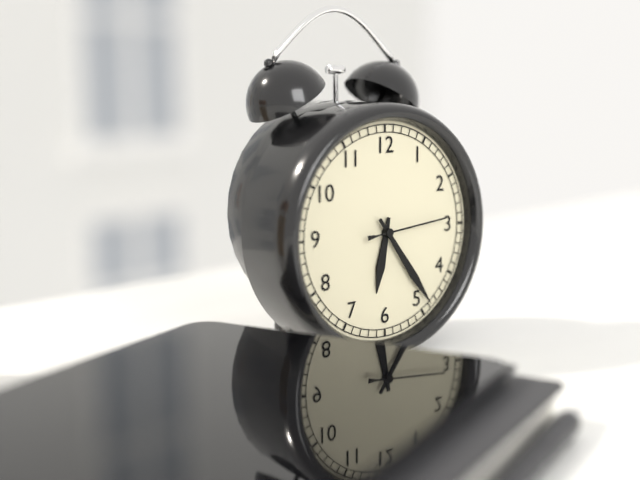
6:24:14
